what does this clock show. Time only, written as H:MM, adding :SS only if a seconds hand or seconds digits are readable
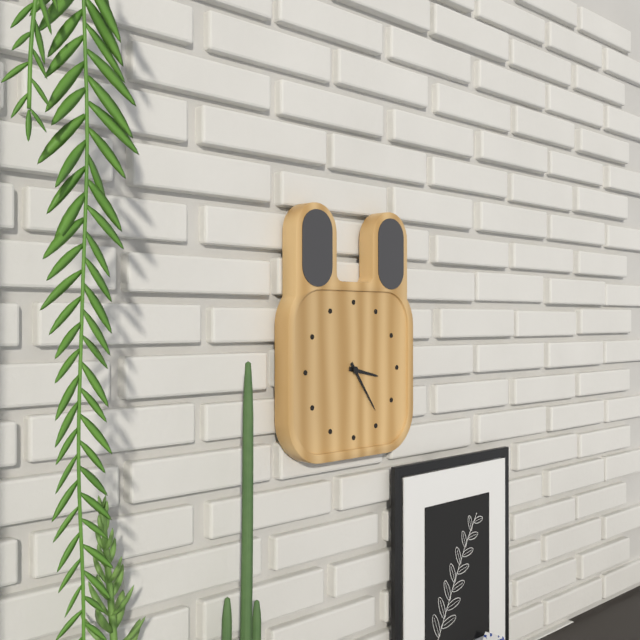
3:24
